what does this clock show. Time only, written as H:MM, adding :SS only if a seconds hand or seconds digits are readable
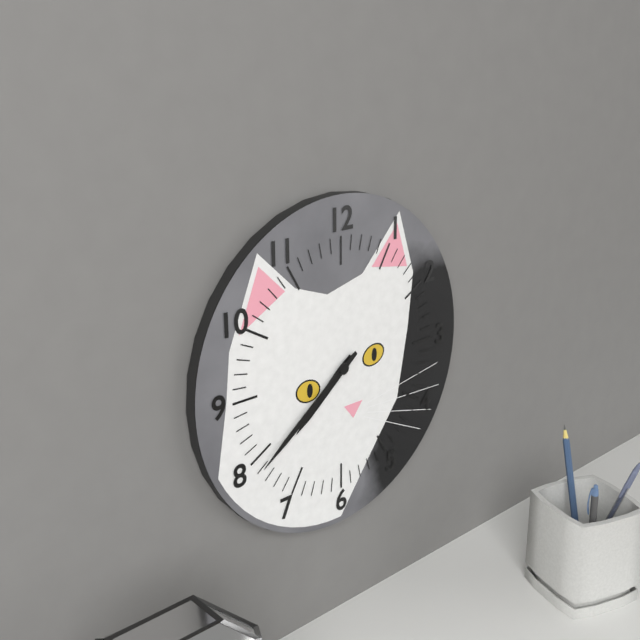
7:39
